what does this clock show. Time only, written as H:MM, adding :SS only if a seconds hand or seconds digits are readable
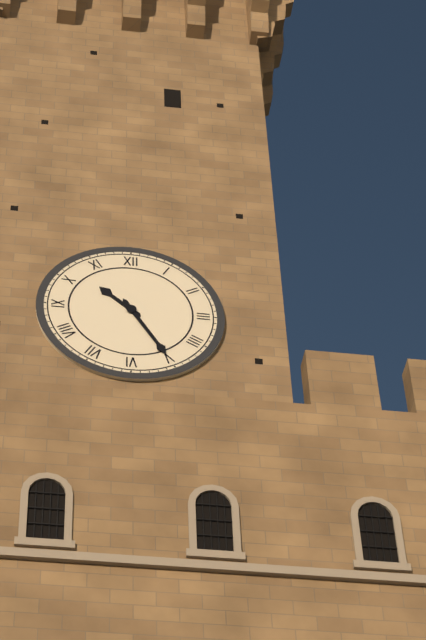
10:25
